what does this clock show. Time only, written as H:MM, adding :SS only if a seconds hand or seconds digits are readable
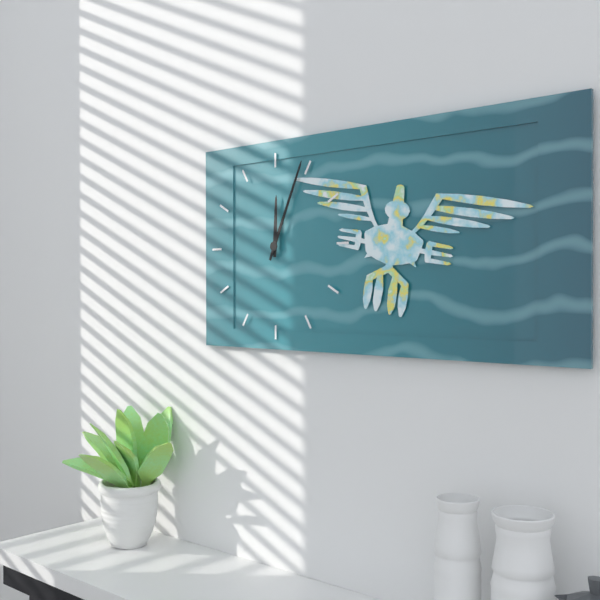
12:04
